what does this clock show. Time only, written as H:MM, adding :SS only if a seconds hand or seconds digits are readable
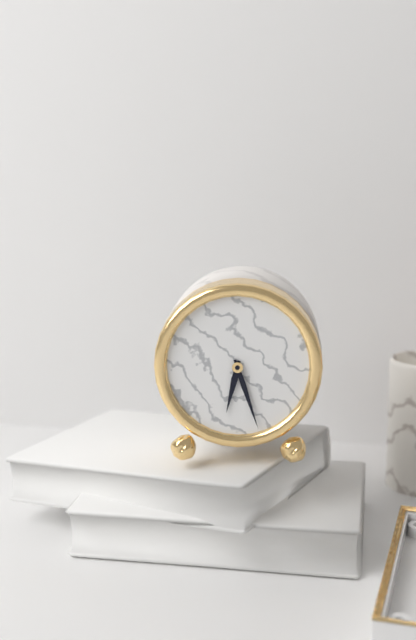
6:27
